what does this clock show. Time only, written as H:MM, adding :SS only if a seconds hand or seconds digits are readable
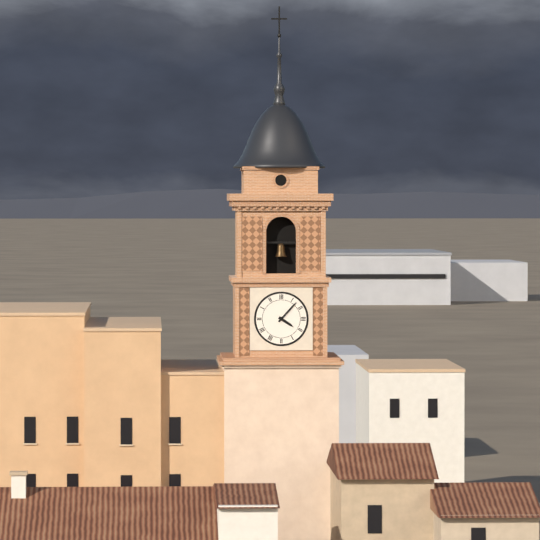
4:07
